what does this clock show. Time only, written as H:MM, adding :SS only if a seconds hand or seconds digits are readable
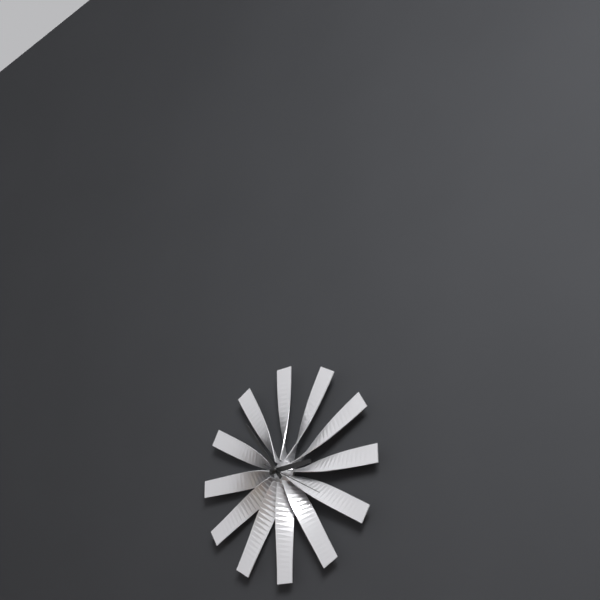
2:54:20
